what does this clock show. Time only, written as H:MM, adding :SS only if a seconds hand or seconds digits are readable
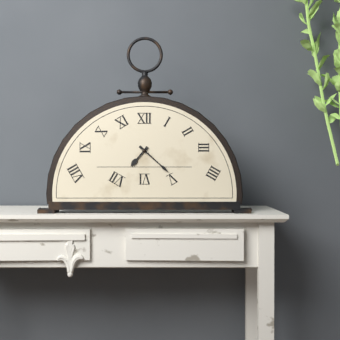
7:22
